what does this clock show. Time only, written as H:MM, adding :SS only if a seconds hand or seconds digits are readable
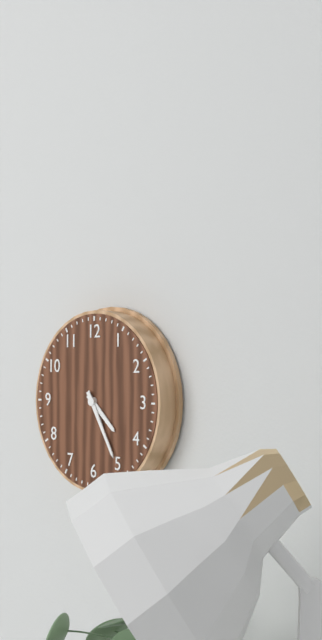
4:25
